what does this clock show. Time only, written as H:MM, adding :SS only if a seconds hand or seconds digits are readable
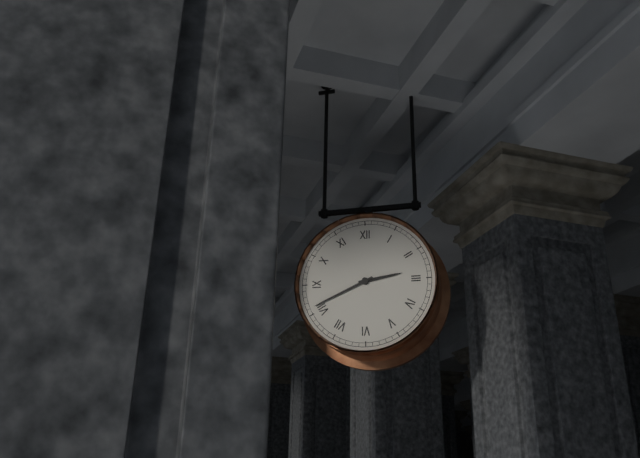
2:41
